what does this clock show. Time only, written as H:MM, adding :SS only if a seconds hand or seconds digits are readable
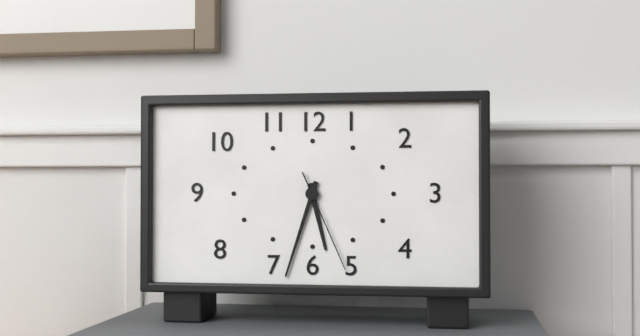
5:33:26
